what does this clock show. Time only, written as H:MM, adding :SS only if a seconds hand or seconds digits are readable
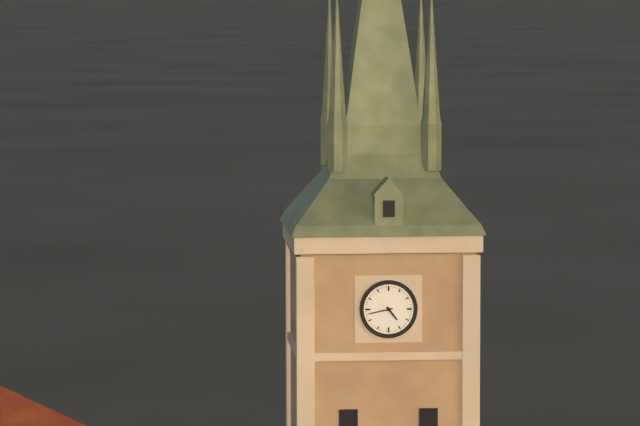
4:43
